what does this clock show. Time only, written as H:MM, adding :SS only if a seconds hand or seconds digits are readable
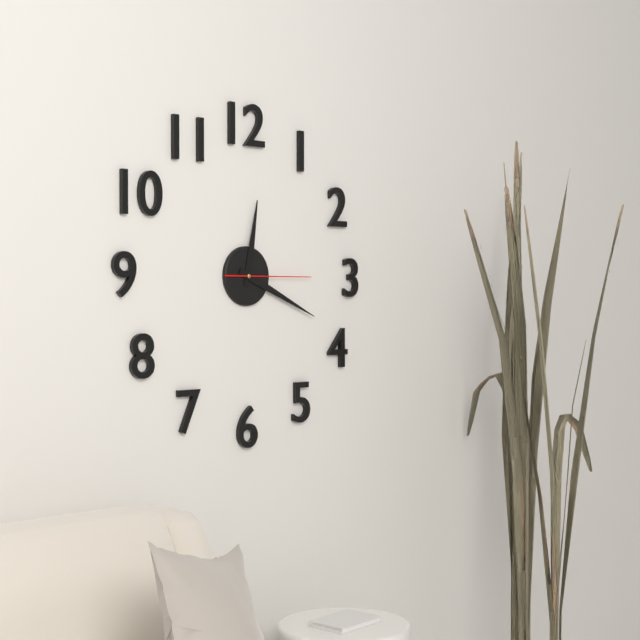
12:19:15
